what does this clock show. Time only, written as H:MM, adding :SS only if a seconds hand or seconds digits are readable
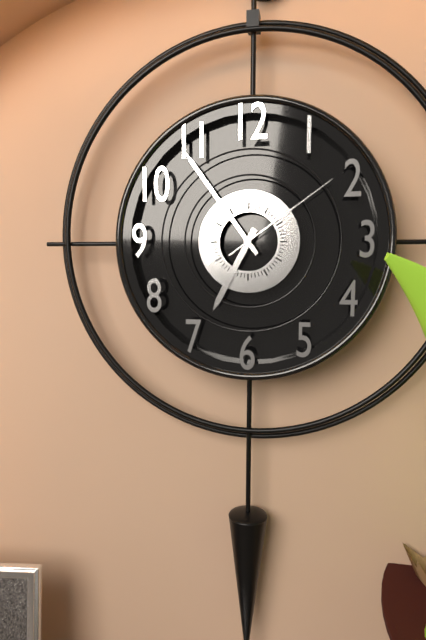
6:54:09
